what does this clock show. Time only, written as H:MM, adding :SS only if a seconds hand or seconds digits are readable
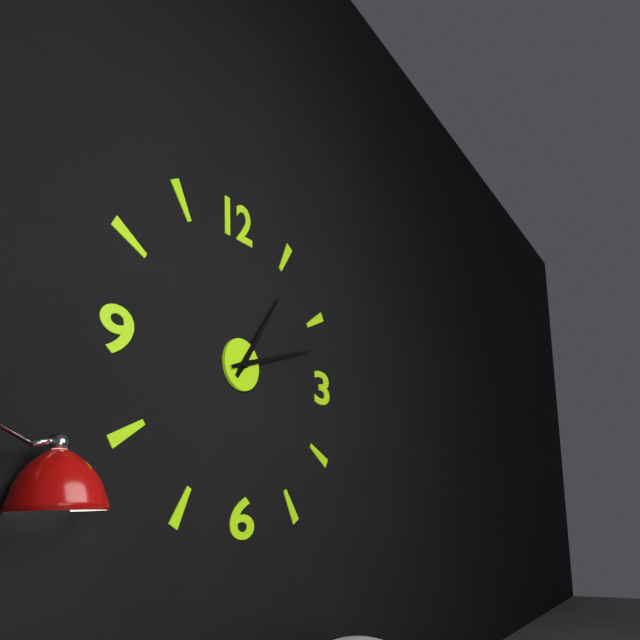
1:12
